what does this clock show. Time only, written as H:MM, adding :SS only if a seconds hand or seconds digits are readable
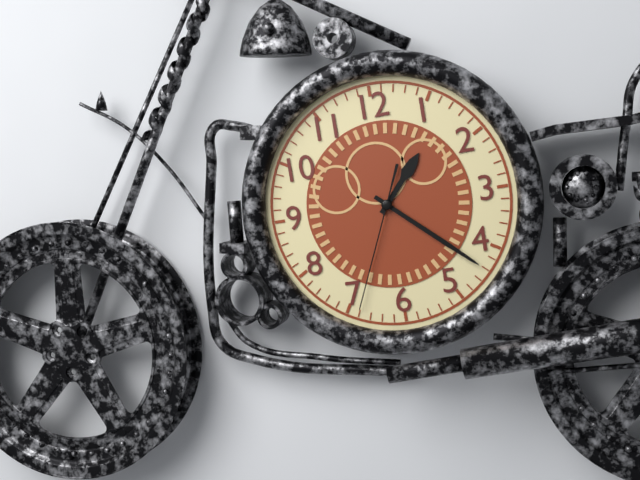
1:22:34
